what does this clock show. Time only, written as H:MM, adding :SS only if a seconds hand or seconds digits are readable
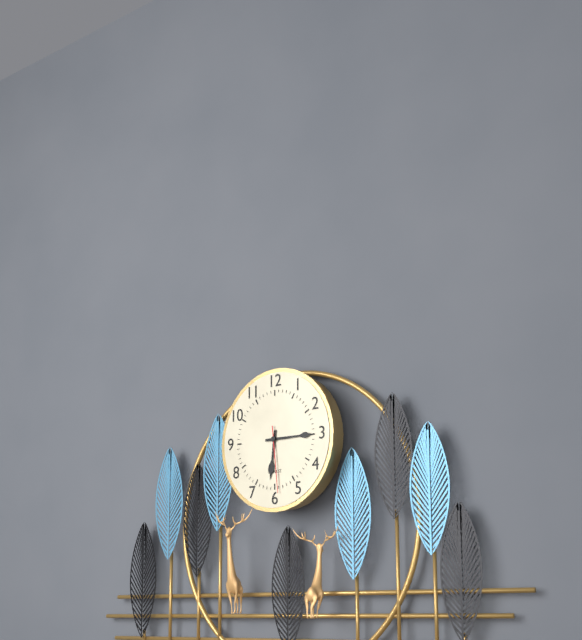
6:15:29
